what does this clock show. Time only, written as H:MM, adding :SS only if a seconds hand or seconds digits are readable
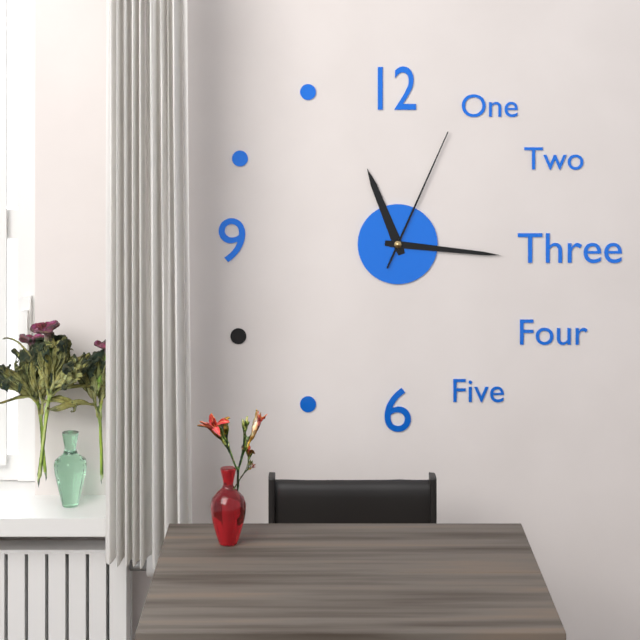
11:16:04
